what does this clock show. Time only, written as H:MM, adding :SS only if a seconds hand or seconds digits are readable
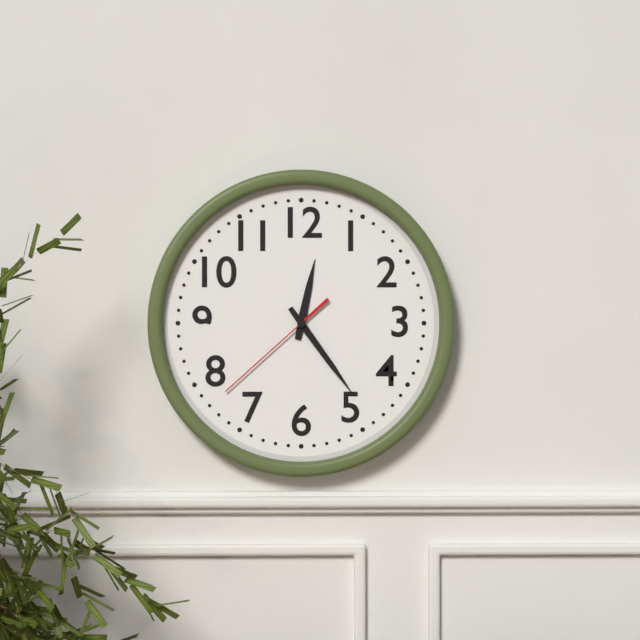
12:24:38
